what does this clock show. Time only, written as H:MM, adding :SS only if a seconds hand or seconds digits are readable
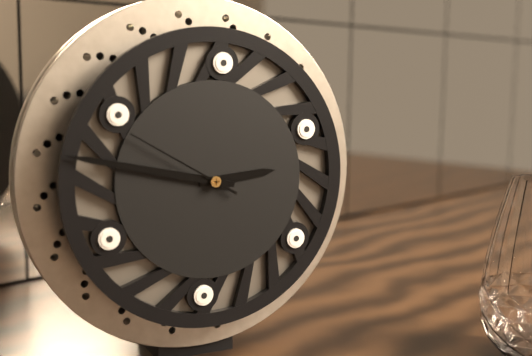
2:47:50
